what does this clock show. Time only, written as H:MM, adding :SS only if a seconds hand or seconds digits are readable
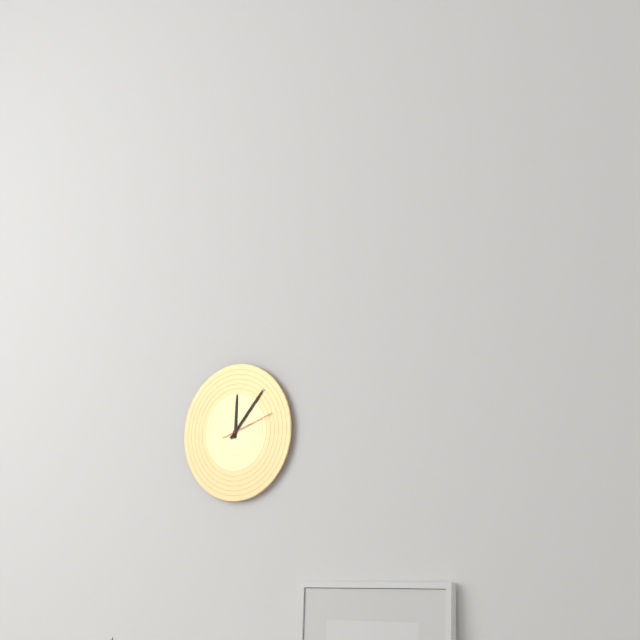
12:07:12
